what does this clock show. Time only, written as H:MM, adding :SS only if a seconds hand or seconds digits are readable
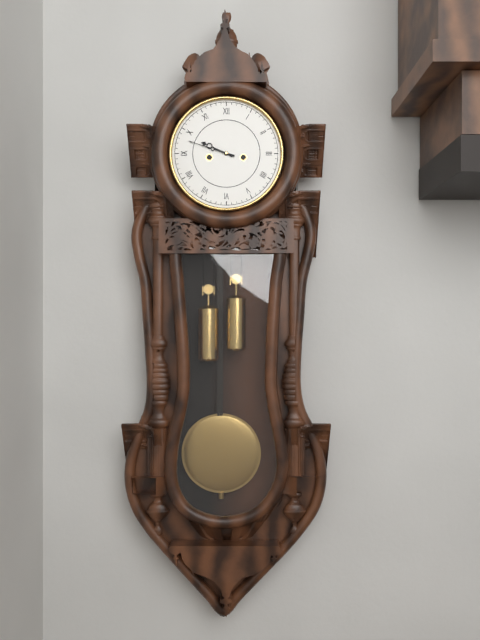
9:48
